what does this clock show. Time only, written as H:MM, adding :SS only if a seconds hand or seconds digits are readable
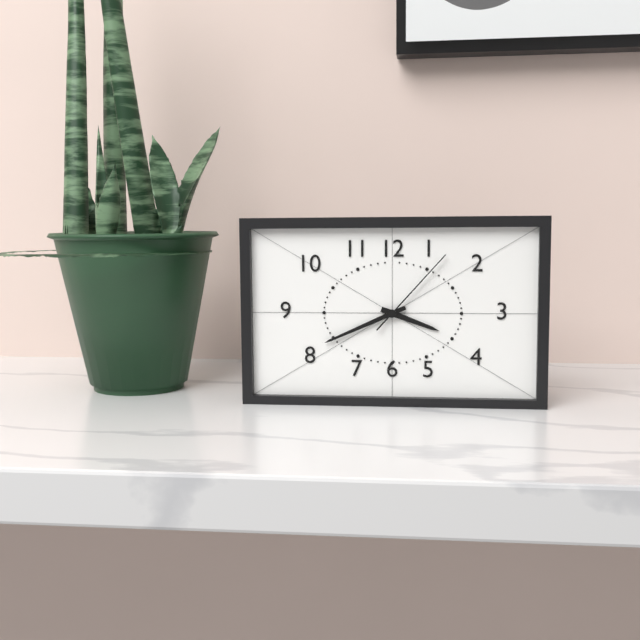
3:41:07
